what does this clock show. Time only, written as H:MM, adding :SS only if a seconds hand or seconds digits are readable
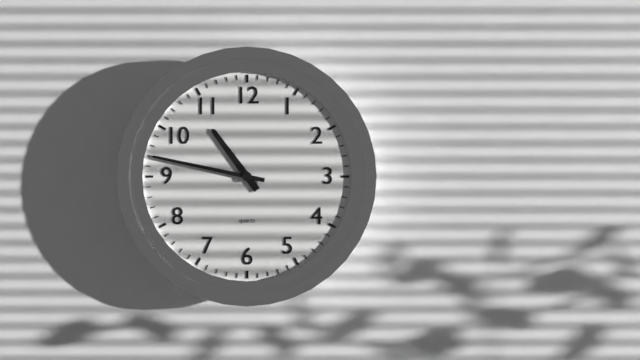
10:47
